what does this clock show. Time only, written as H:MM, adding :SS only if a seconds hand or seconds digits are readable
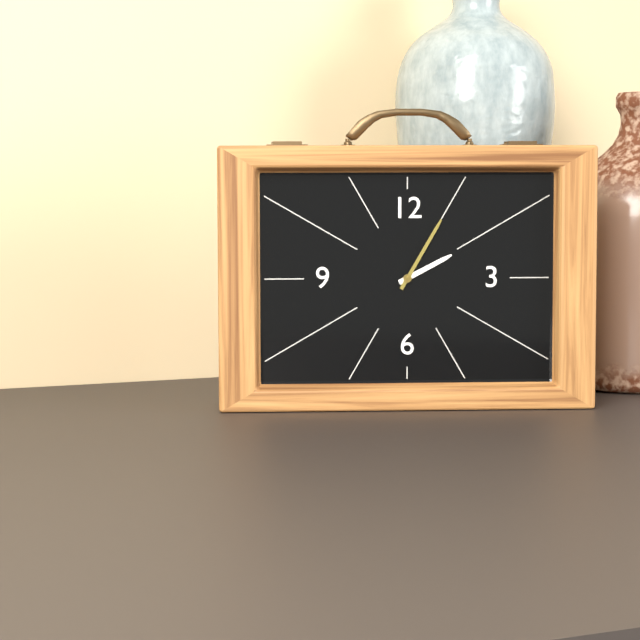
2:05
